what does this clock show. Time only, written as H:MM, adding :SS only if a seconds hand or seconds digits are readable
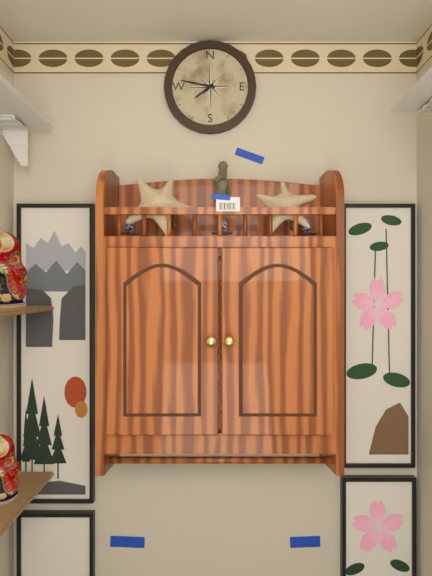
7:47
